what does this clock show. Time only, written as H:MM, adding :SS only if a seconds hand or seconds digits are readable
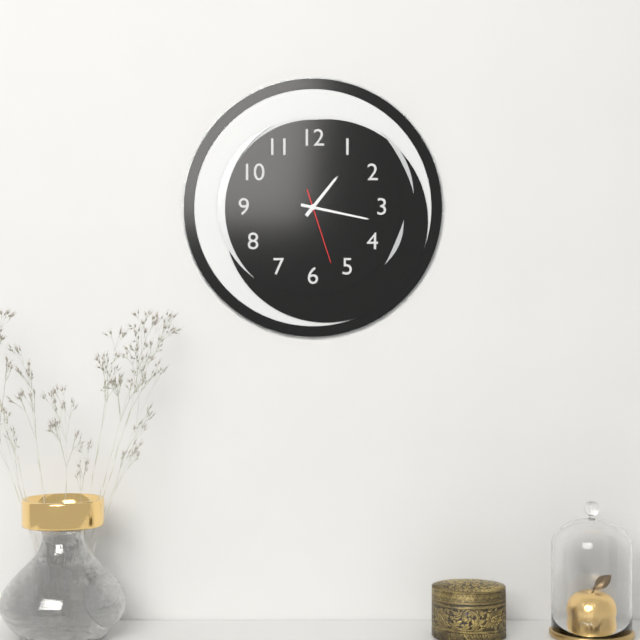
1:17:27
